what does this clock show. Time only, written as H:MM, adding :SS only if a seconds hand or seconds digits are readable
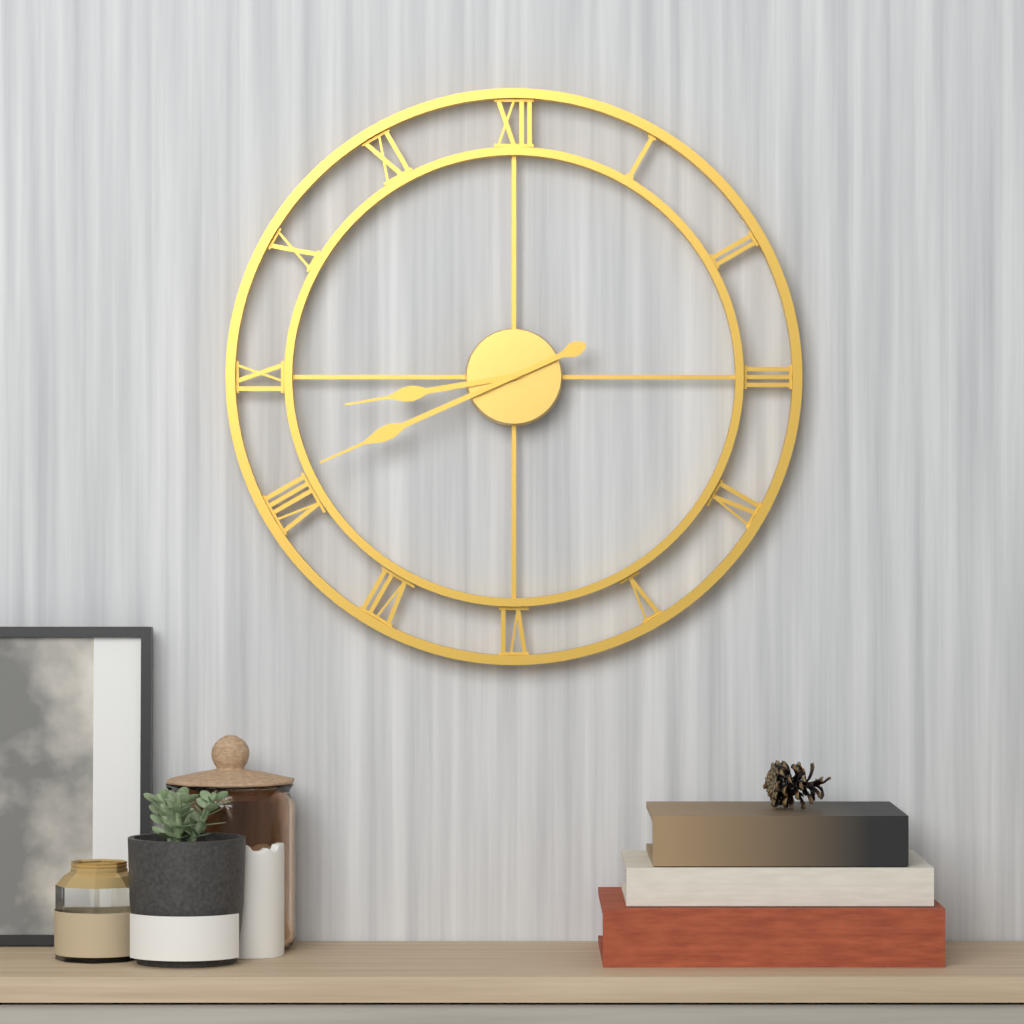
8:41
